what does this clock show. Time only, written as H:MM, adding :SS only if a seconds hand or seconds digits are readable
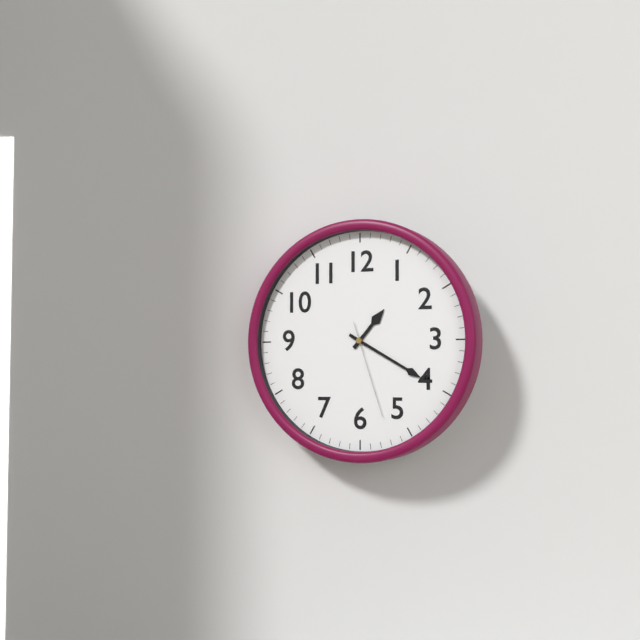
1:20:27
